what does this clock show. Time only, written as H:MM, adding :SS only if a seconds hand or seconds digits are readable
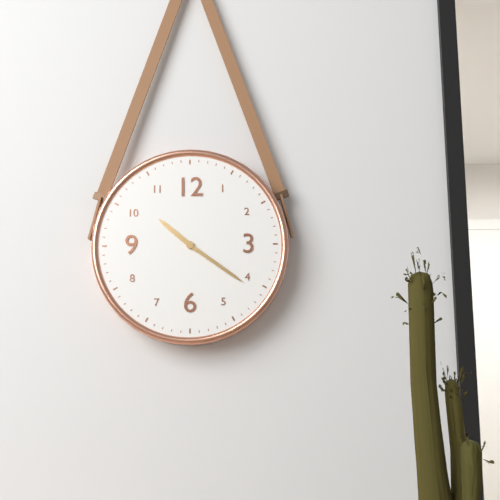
10:21
